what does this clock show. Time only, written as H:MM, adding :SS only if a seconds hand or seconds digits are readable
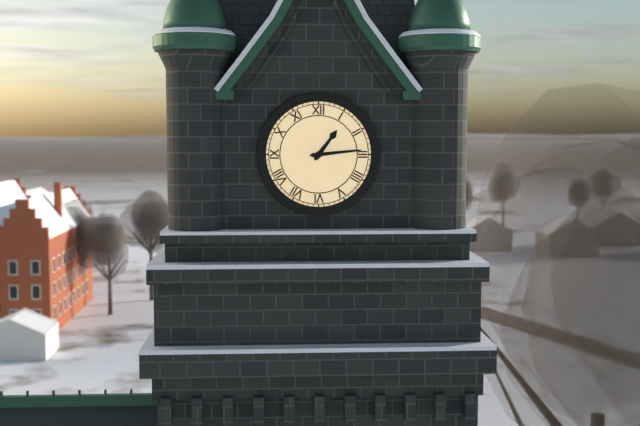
1:14
